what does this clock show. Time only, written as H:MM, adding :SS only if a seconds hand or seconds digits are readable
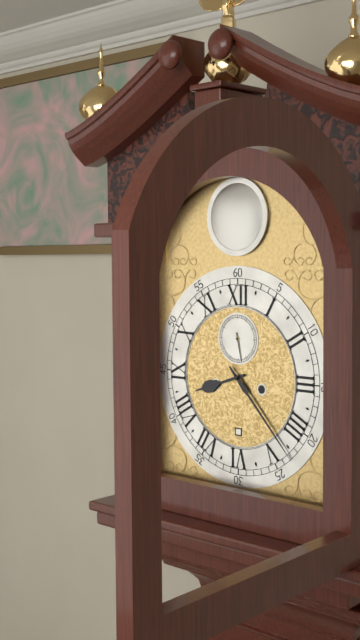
8:23
